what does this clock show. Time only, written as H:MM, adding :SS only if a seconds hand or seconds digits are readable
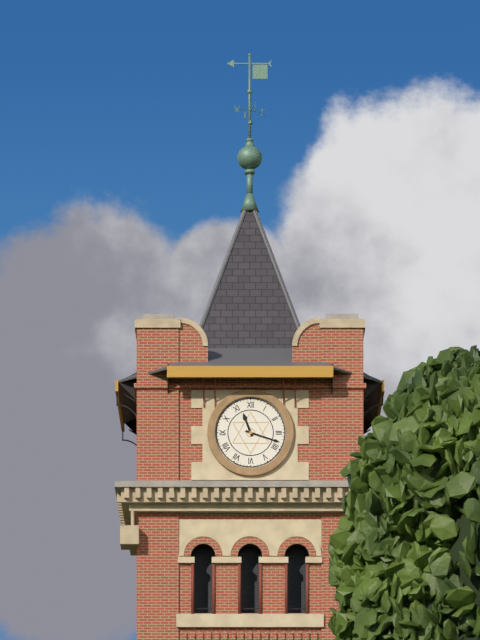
11:18
